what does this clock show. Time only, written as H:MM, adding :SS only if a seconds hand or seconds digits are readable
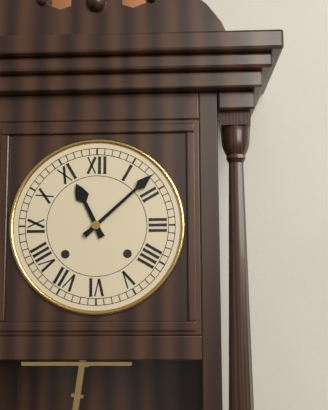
11:08
